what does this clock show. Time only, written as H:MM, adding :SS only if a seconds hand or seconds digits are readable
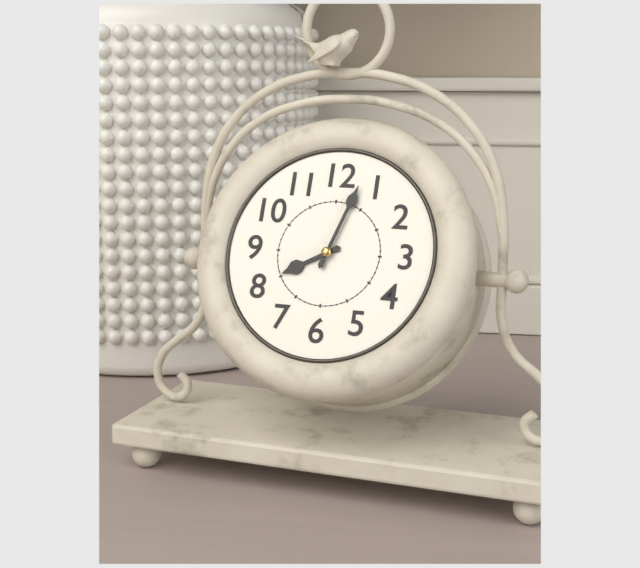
8:03
